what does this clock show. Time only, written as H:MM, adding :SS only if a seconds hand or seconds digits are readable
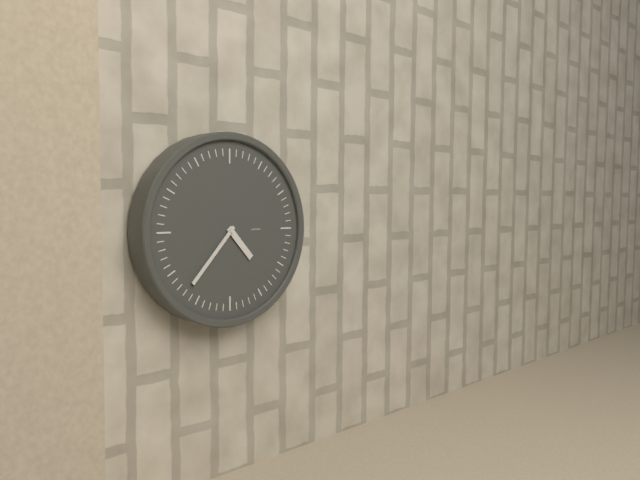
4:37
